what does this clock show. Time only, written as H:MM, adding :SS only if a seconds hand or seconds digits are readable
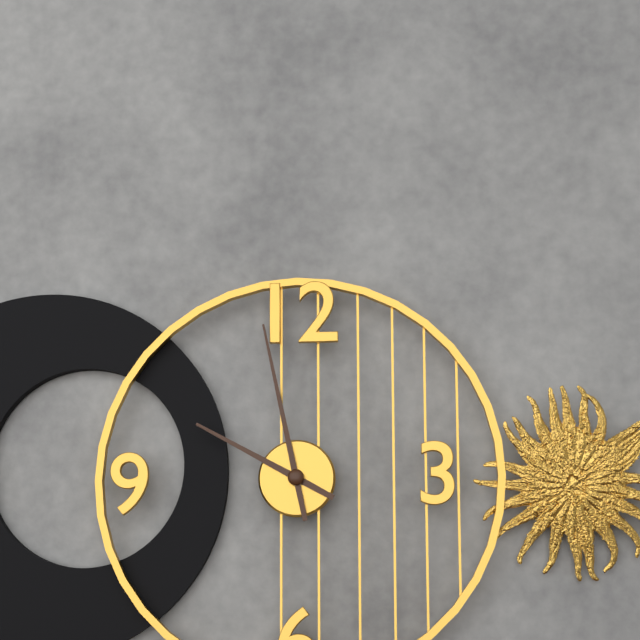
9:58
